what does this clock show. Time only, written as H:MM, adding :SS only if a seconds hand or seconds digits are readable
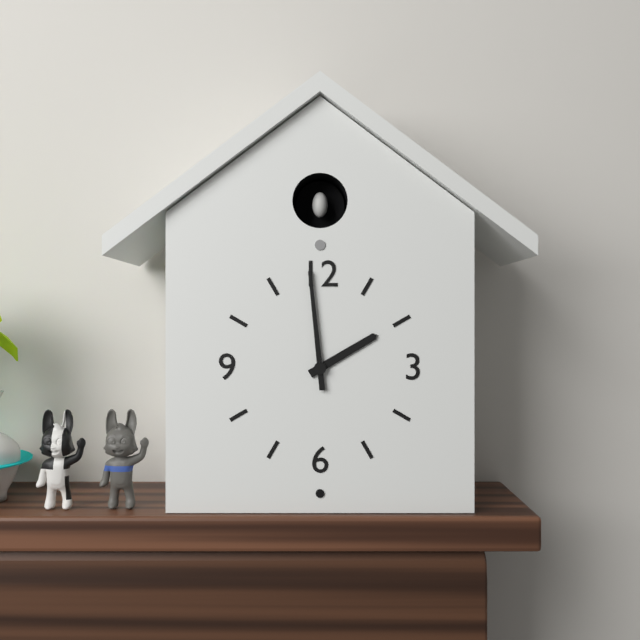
1:59
